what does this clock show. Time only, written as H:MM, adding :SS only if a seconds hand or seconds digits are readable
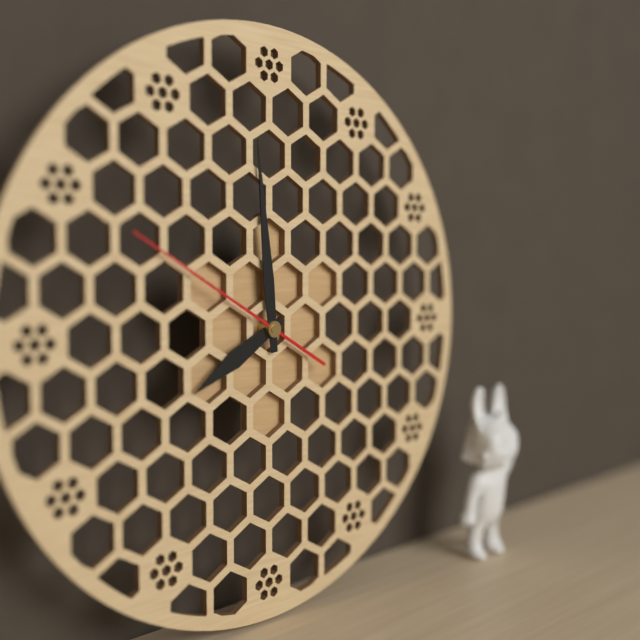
7:59:50
